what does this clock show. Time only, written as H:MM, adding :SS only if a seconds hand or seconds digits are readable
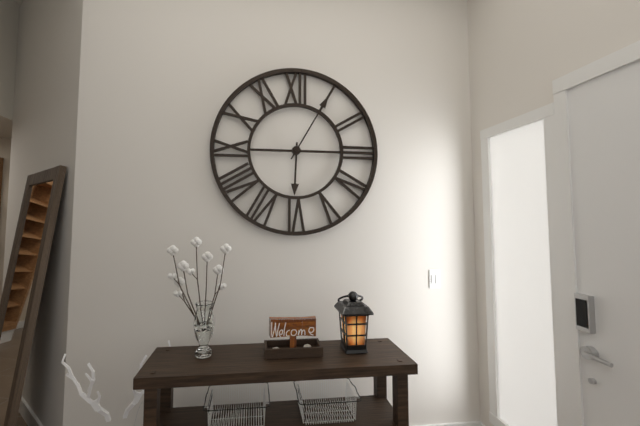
6:05
